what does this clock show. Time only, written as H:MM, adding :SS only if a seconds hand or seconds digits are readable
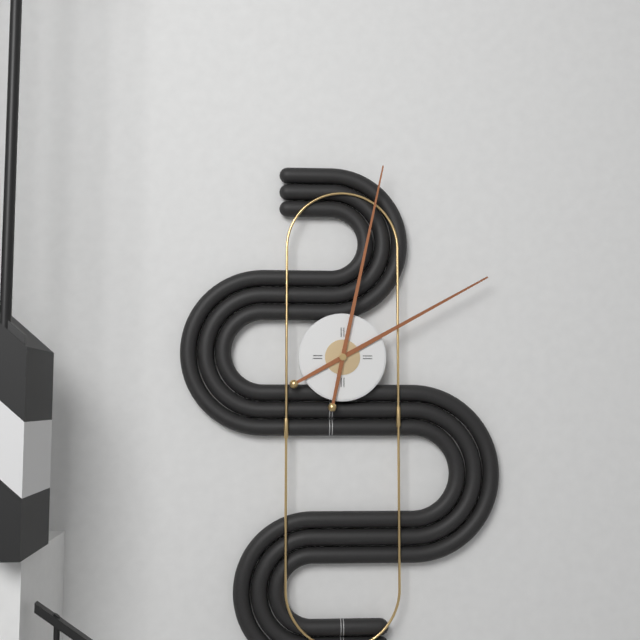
2:02
